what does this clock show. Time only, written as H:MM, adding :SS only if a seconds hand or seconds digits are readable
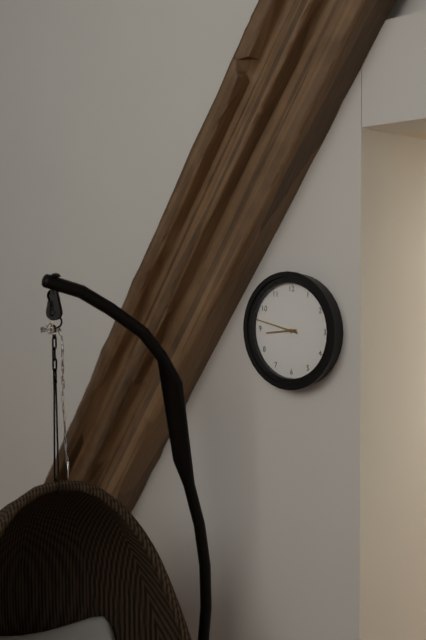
8:47
